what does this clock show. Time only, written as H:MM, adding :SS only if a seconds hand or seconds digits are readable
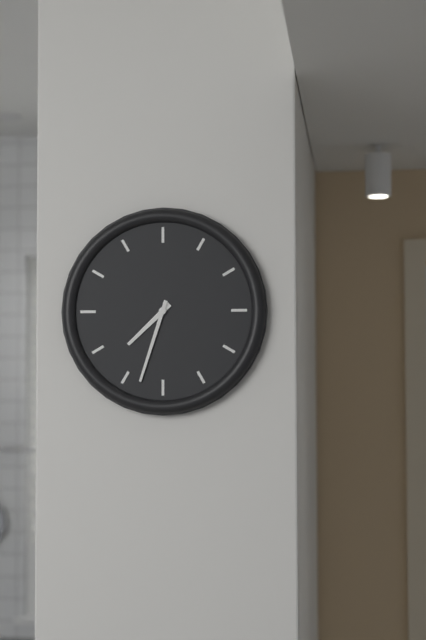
7:33
